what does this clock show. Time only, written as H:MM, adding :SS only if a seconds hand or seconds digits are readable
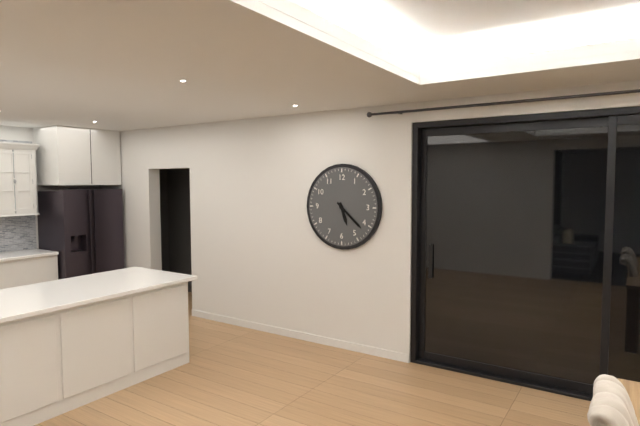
5:22
